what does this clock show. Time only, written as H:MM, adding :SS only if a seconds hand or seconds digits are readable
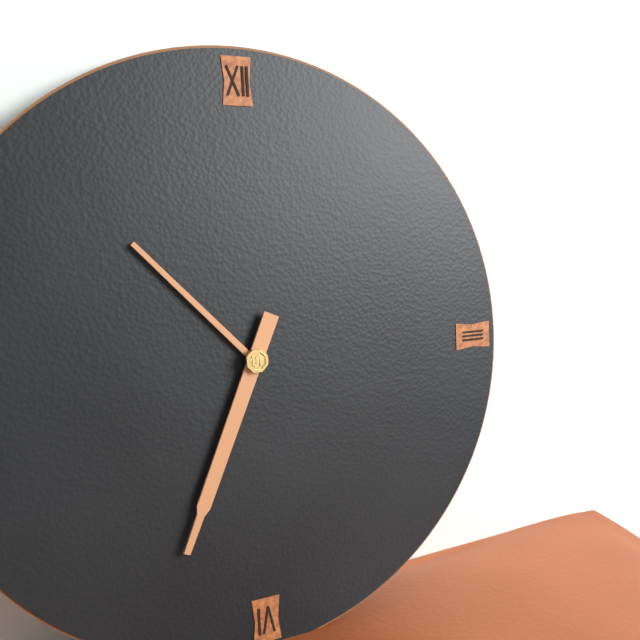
10:34
